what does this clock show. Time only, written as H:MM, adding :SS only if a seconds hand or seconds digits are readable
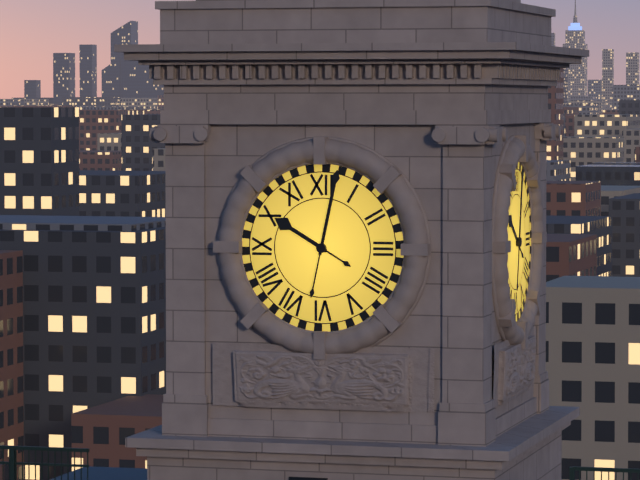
10:02
